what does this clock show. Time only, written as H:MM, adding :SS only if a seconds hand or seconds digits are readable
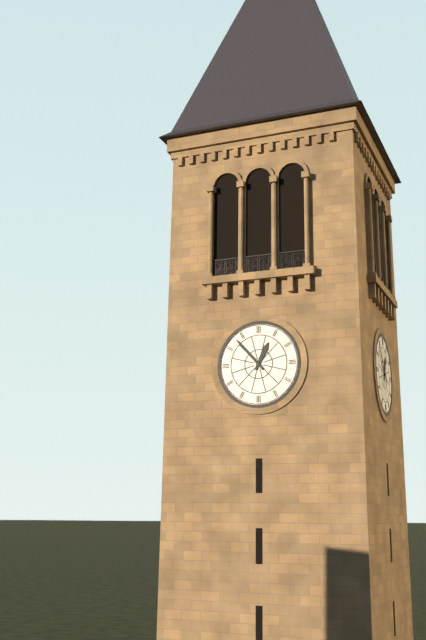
12:53
